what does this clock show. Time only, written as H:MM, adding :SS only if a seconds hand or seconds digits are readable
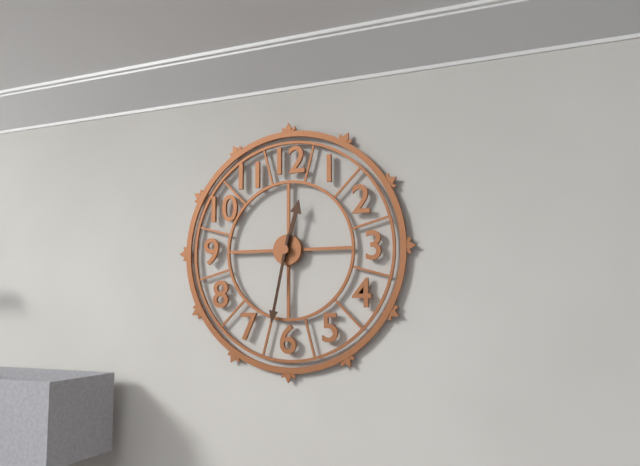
12:32
